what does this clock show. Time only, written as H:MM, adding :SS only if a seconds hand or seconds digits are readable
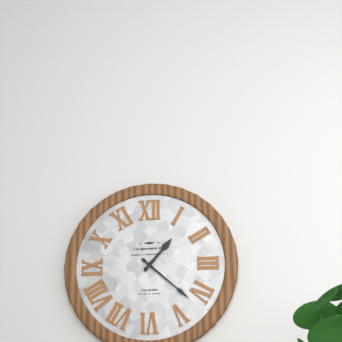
1:22
